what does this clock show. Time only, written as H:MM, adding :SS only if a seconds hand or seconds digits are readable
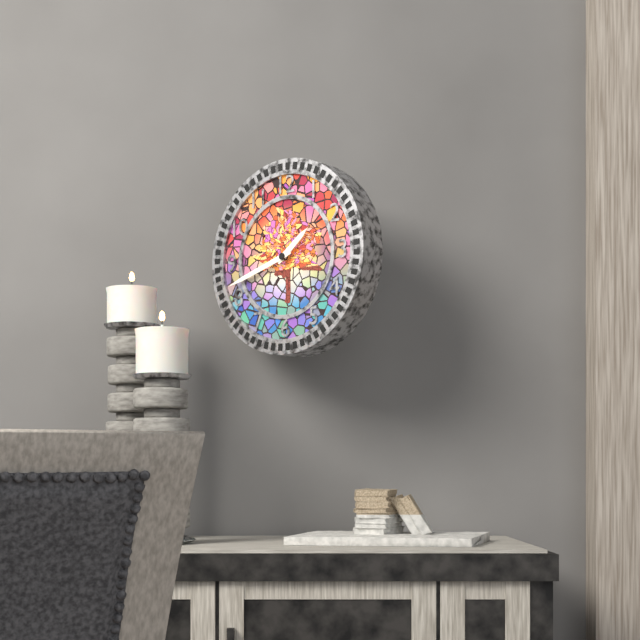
1:42
